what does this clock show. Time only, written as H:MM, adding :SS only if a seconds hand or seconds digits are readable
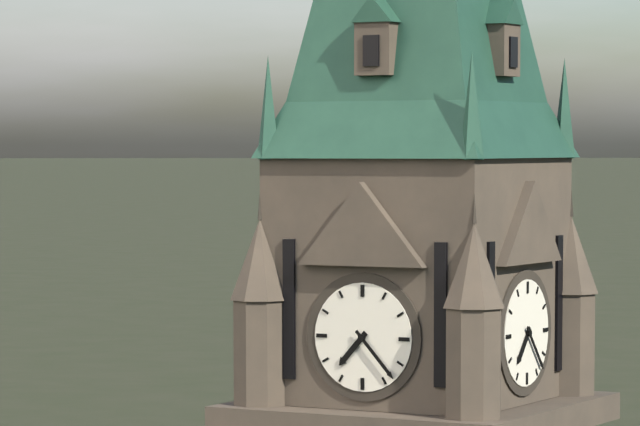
7:23
